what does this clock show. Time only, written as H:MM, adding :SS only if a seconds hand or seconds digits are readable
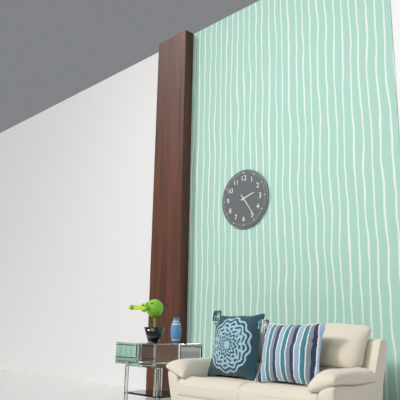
2:24
